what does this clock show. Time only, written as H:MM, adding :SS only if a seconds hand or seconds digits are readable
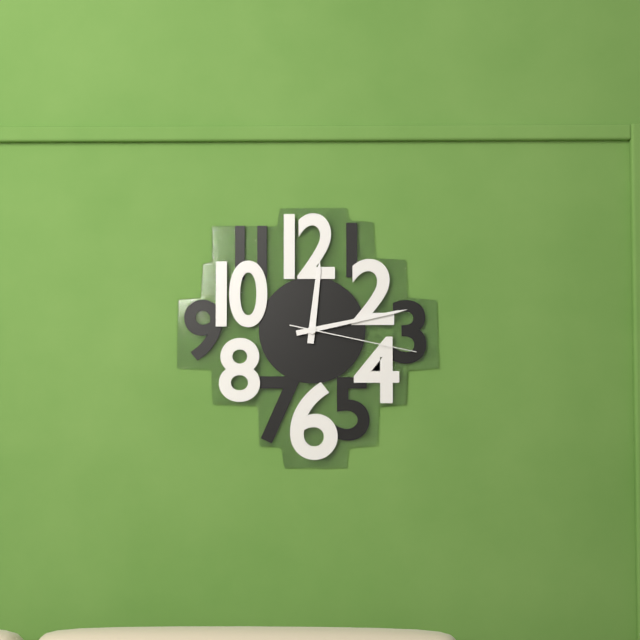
12:13:17
